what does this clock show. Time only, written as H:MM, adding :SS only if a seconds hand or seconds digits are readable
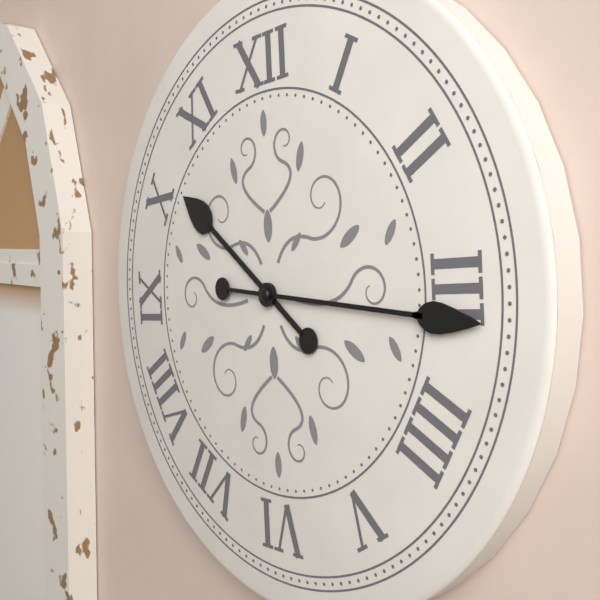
10:16
